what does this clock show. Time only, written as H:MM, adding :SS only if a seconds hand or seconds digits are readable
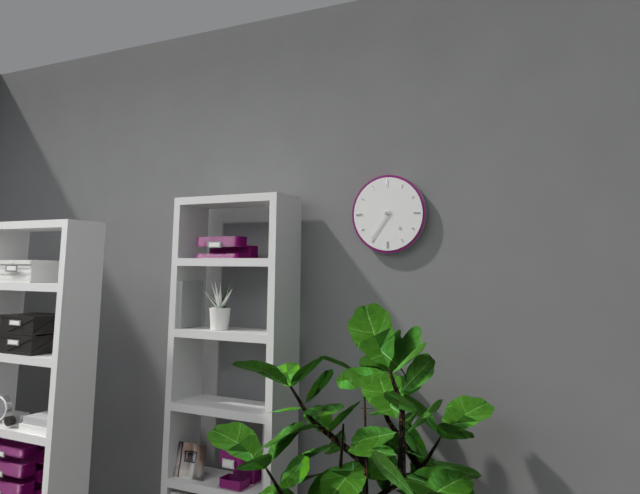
4:36
